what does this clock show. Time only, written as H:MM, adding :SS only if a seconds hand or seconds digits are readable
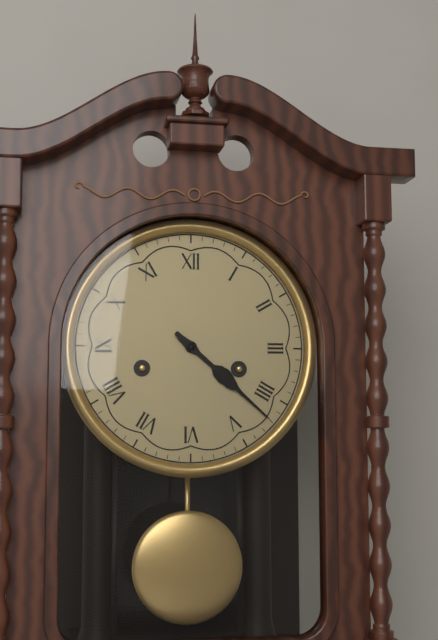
4:22
